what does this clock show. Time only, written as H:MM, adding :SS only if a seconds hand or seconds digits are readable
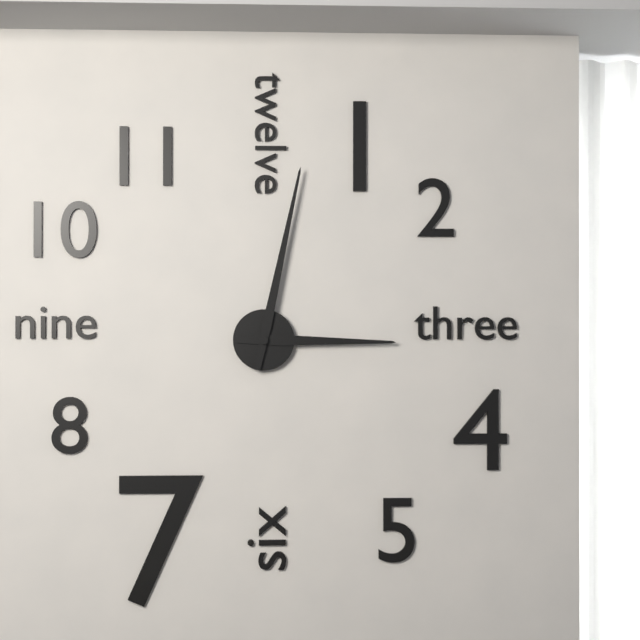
3:02
